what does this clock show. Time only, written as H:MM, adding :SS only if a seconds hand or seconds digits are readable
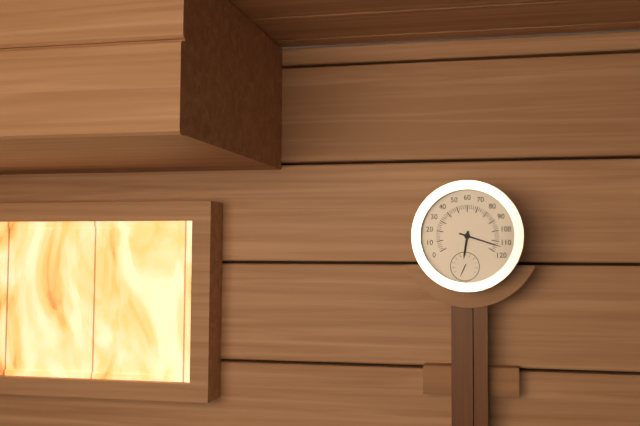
6:18
